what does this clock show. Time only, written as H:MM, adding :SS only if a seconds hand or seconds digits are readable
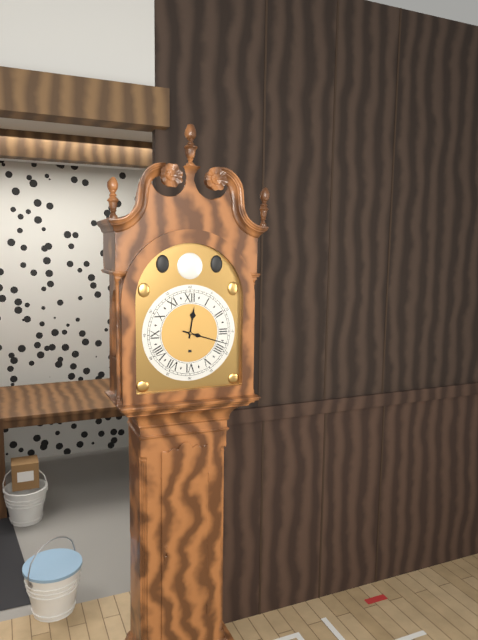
12:18
